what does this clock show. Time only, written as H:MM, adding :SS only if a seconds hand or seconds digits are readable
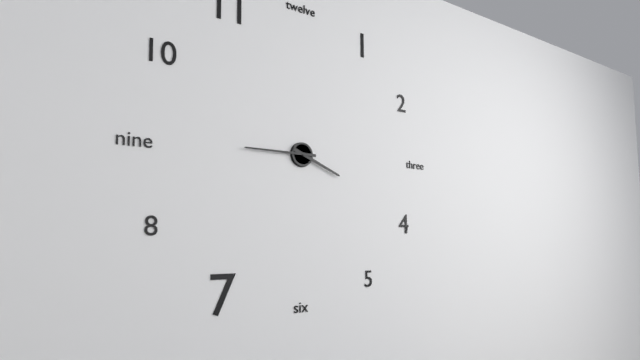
3:45
